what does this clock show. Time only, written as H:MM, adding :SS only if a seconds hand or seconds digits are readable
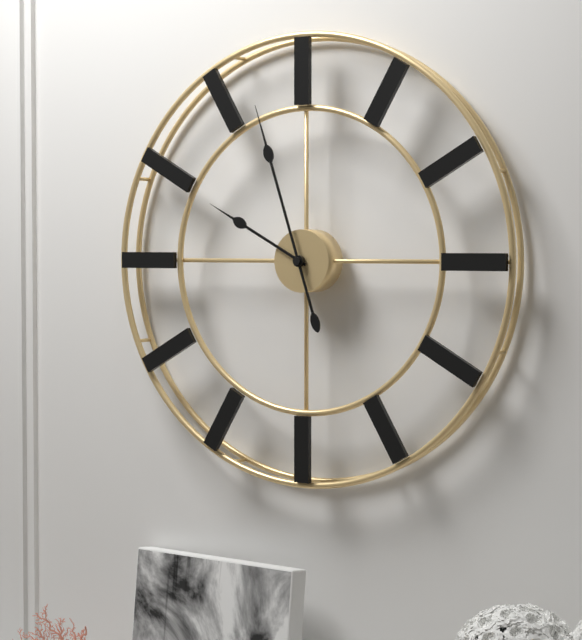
9:57
